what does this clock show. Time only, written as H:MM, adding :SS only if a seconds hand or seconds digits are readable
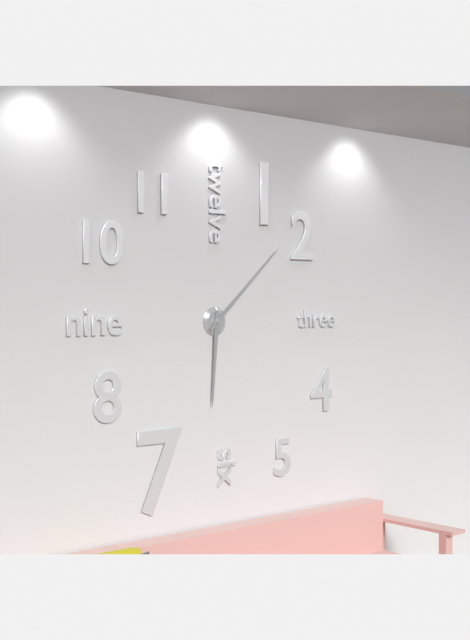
6:08
